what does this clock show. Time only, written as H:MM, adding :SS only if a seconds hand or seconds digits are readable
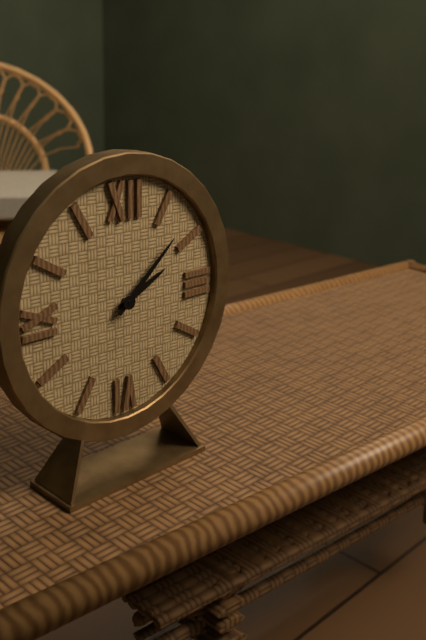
2:08
